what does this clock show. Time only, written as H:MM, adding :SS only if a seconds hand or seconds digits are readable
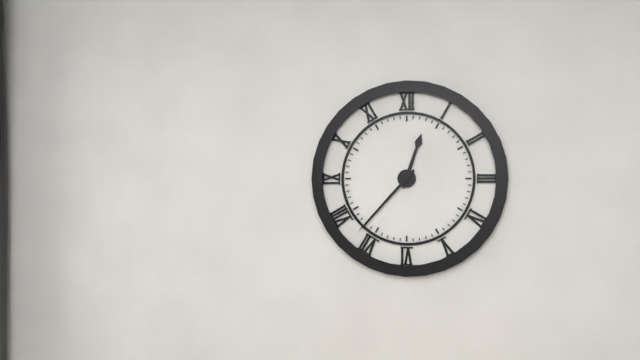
12:37
